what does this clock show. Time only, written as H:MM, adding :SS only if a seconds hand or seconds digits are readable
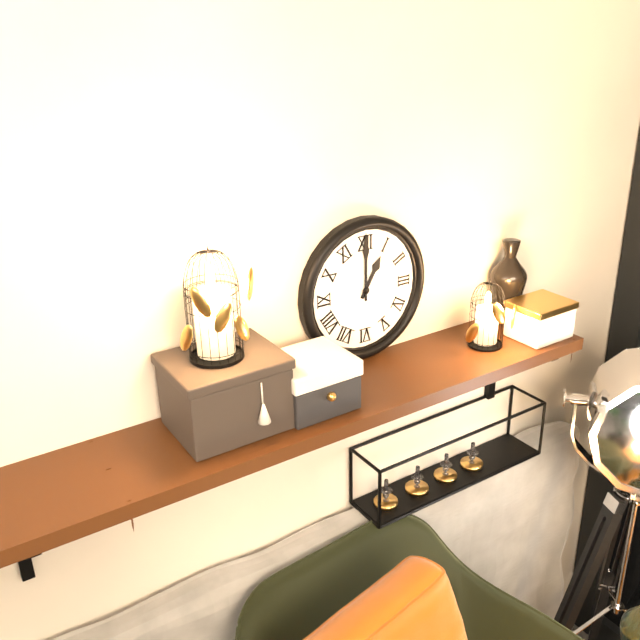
1:00
